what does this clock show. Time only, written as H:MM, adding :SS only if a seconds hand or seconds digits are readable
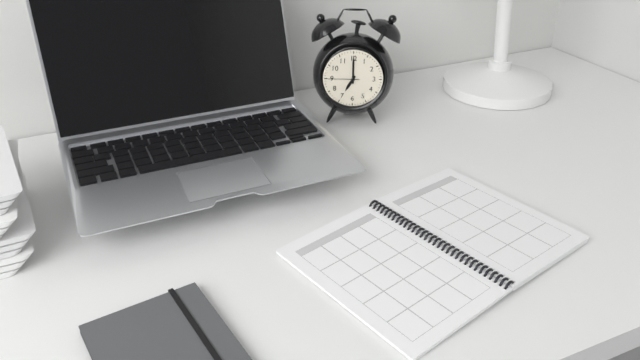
7:00
